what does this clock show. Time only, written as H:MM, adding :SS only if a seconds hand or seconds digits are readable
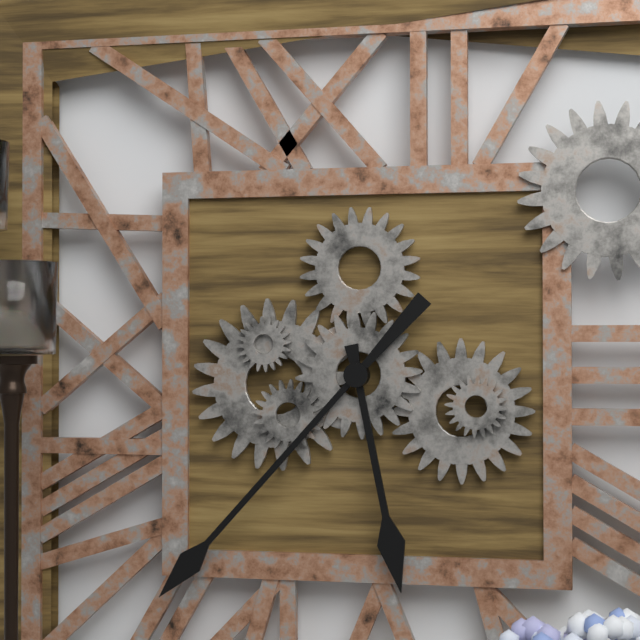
5:37
